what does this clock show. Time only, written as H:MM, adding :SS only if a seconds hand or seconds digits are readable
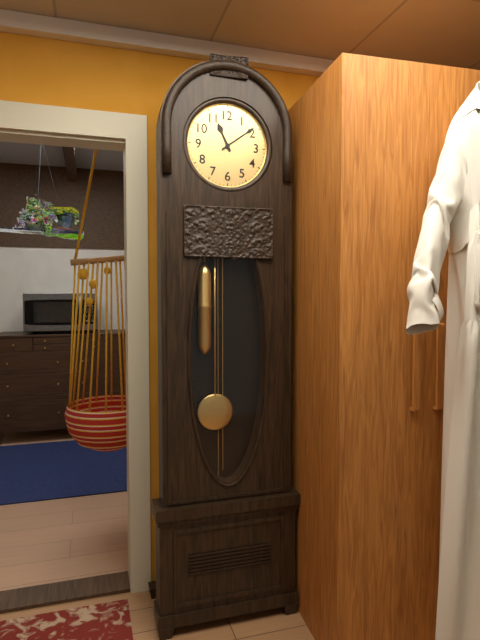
11:09
